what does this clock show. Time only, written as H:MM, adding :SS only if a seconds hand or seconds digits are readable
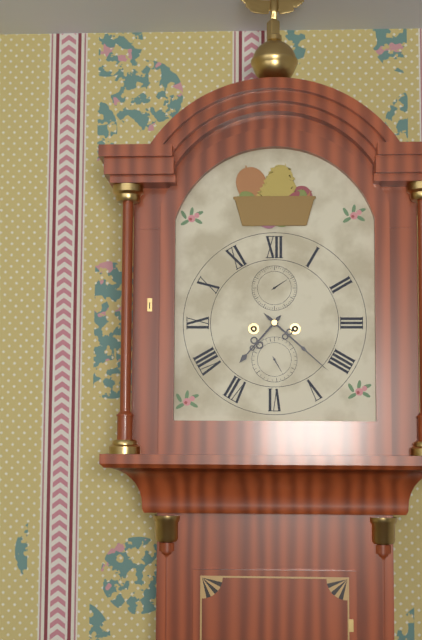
7:22
